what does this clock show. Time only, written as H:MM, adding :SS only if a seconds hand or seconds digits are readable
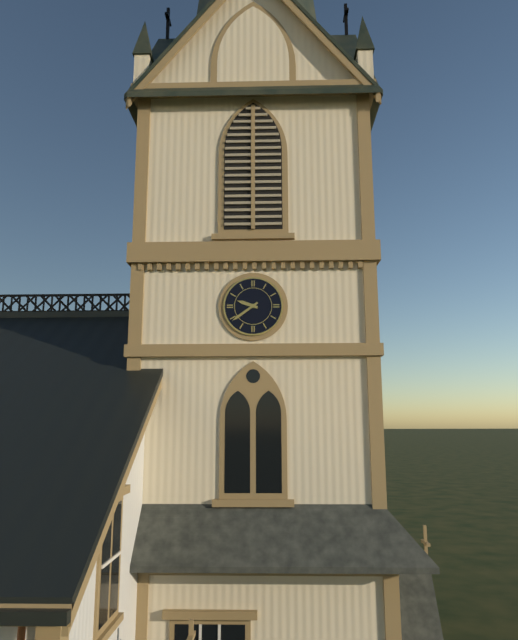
9:39
